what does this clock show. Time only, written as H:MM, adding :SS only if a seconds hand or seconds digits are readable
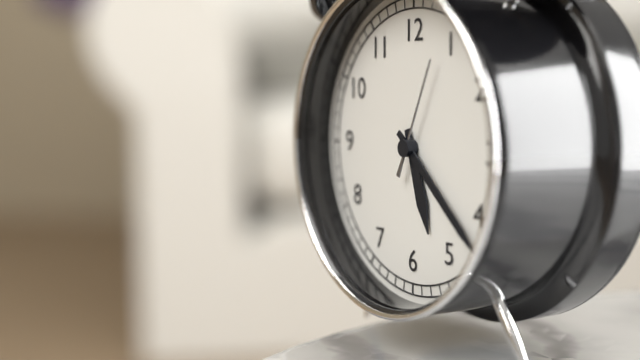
5:22:04
